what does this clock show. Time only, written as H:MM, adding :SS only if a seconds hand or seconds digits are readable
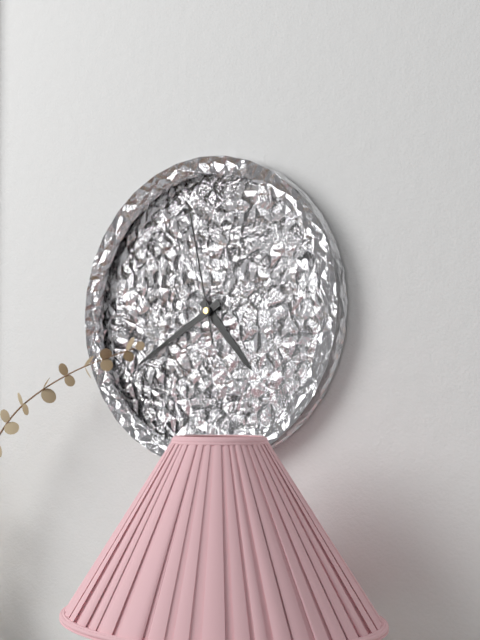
4:40:58
